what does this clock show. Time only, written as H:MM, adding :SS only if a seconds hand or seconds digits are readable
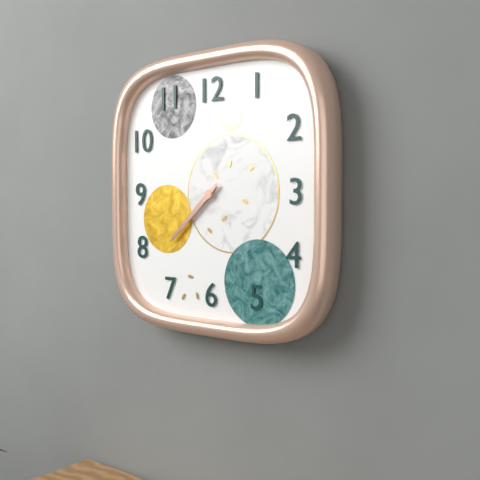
7:38
